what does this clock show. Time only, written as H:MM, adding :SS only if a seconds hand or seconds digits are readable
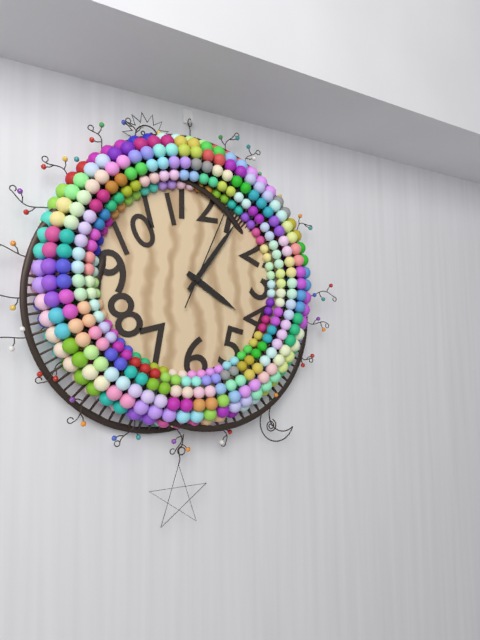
4:06:04
